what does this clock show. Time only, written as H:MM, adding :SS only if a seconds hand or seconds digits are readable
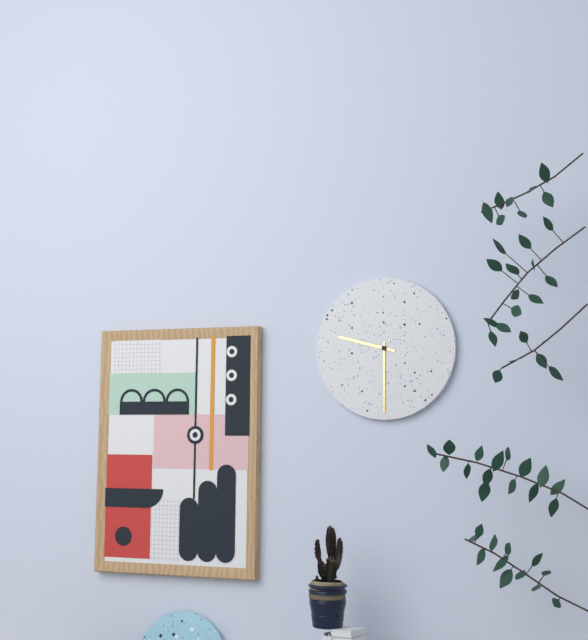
9:30
